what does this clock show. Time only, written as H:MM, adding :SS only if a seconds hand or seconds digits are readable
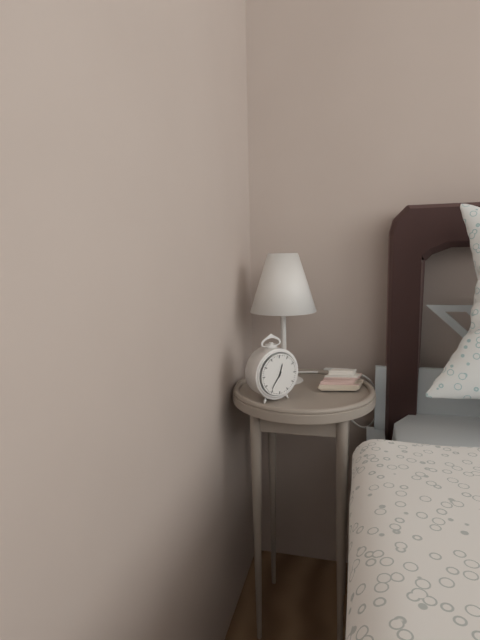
12:36
